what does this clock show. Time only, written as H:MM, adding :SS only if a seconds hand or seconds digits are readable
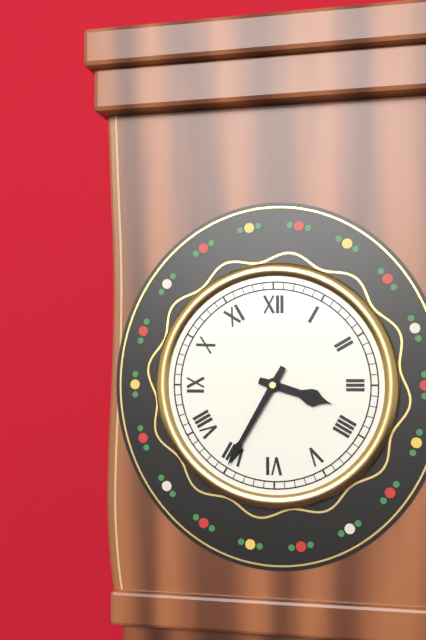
3:35
